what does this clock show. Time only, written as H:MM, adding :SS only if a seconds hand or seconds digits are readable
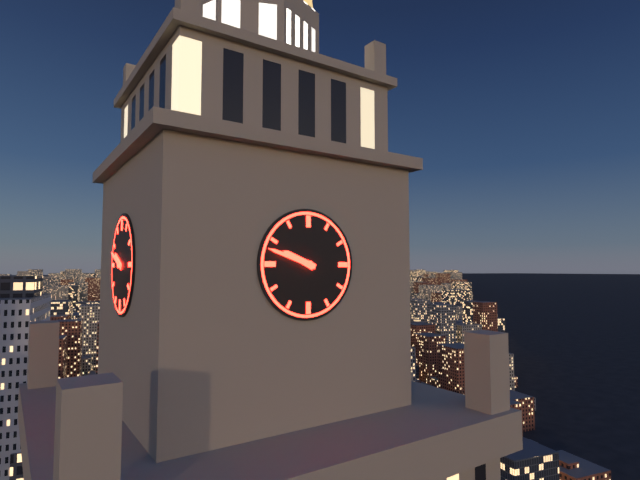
9:48
